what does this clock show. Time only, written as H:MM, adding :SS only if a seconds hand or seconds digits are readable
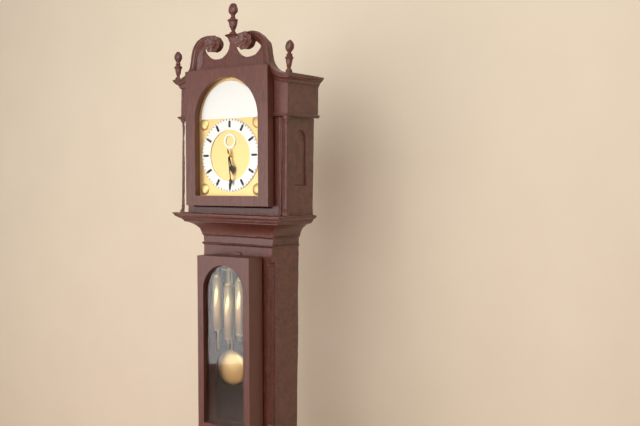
5:29
